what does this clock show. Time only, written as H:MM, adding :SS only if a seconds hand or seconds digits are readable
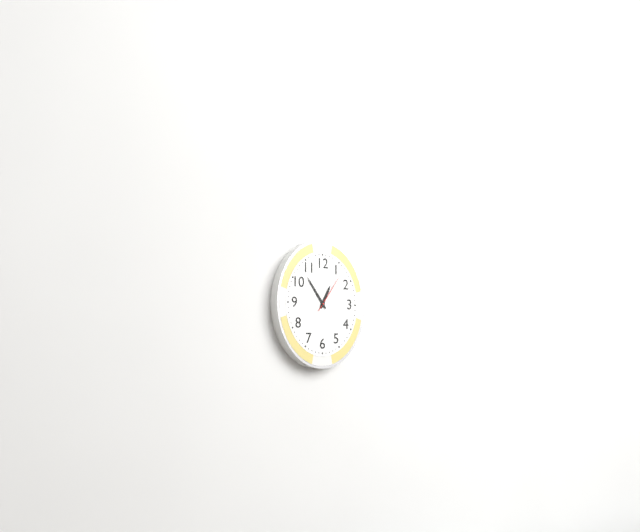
12:54
